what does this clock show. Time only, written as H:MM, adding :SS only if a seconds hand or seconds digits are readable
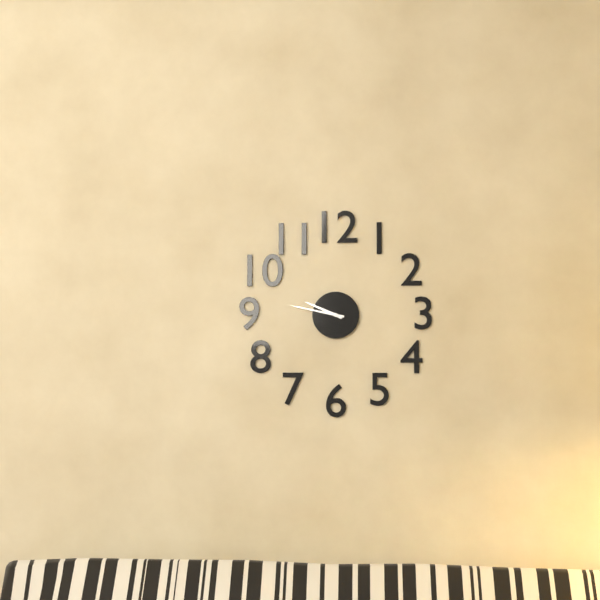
9:47
